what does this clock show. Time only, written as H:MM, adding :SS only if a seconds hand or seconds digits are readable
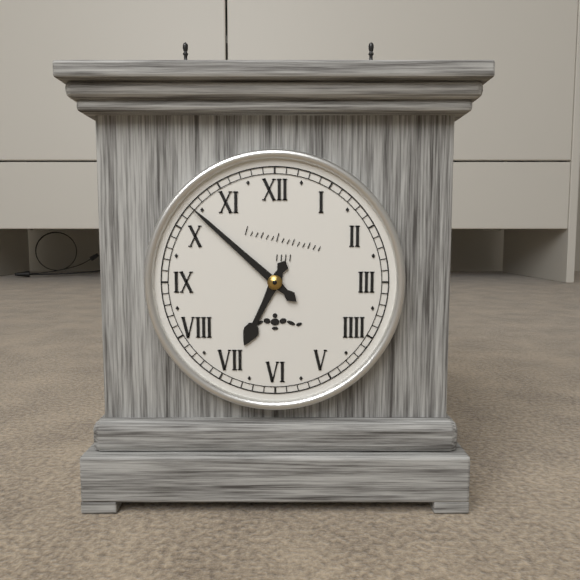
6:52
